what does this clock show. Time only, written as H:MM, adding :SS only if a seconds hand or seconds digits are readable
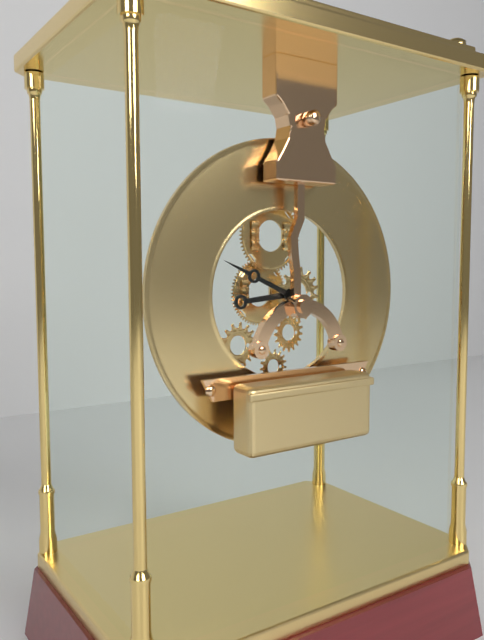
8:49
